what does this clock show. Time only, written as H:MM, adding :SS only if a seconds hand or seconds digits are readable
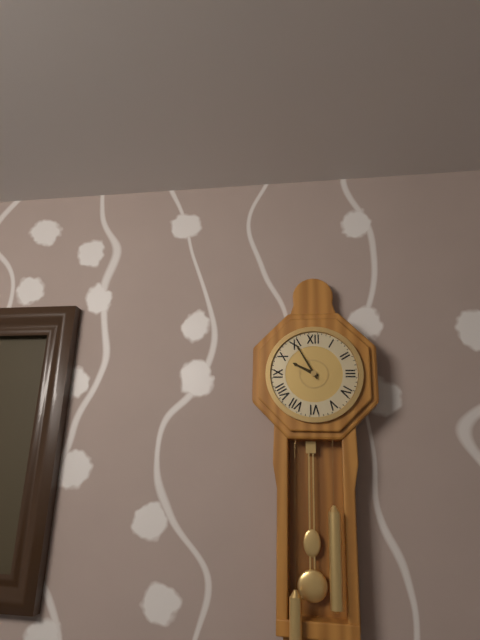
9:55
